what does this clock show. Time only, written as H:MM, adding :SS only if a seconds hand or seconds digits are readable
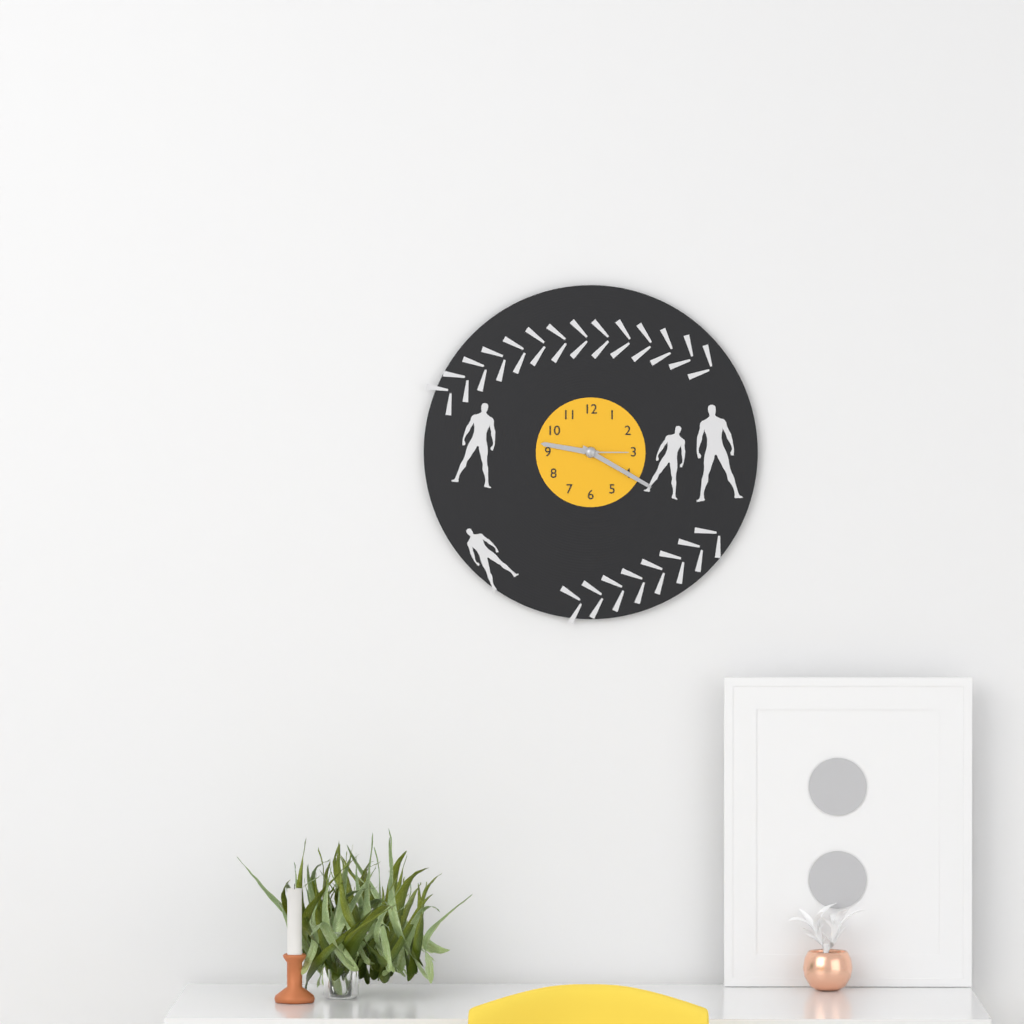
9:20
